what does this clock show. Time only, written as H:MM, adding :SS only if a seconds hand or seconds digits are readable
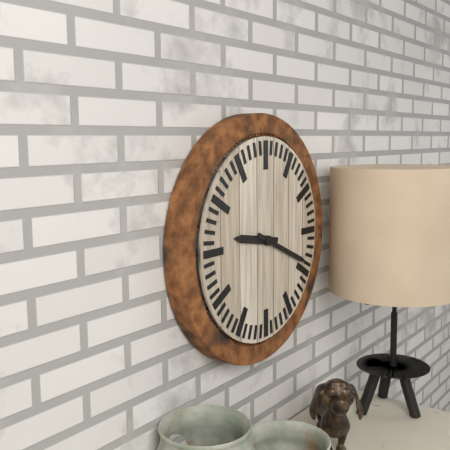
9:19
